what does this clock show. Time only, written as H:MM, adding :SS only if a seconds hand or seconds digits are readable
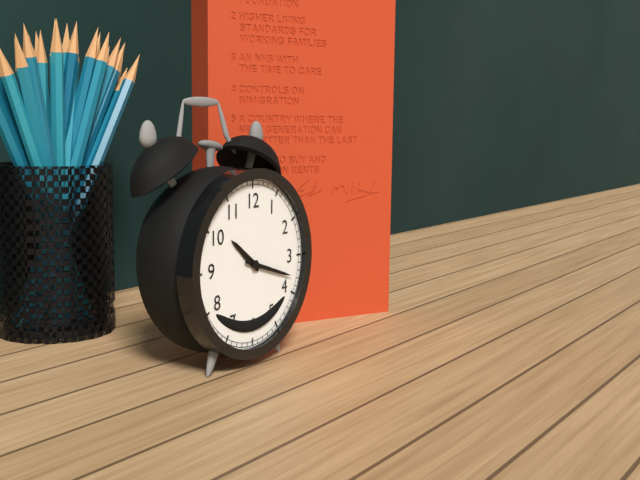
10:18
